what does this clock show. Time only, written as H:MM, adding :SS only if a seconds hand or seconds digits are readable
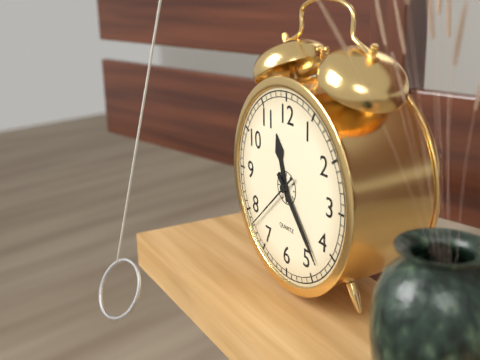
11:23:38
